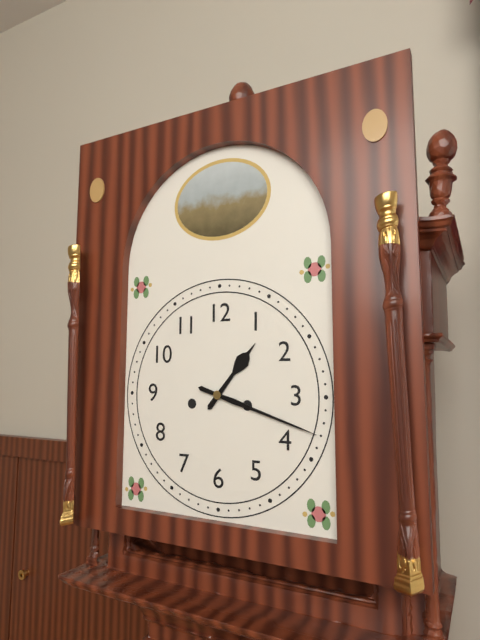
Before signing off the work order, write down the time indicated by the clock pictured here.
1:18
